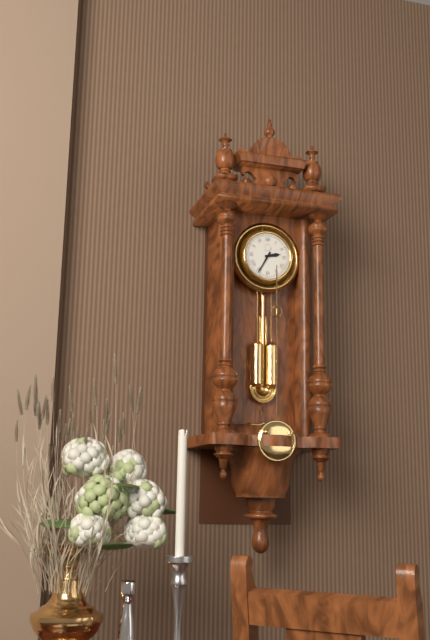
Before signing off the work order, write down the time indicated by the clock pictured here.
2:35
